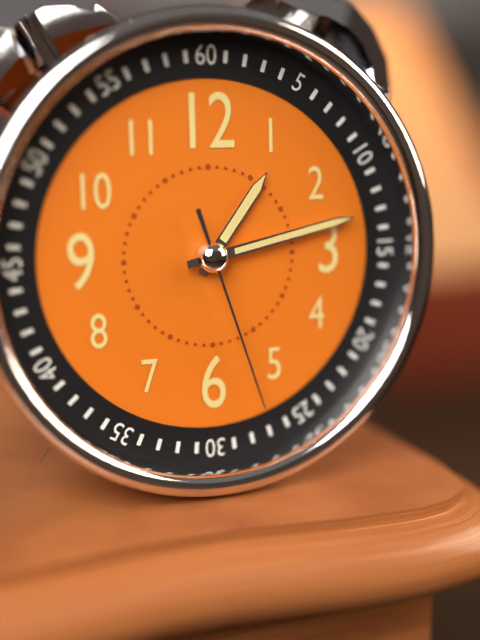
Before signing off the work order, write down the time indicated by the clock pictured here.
1:13:27
